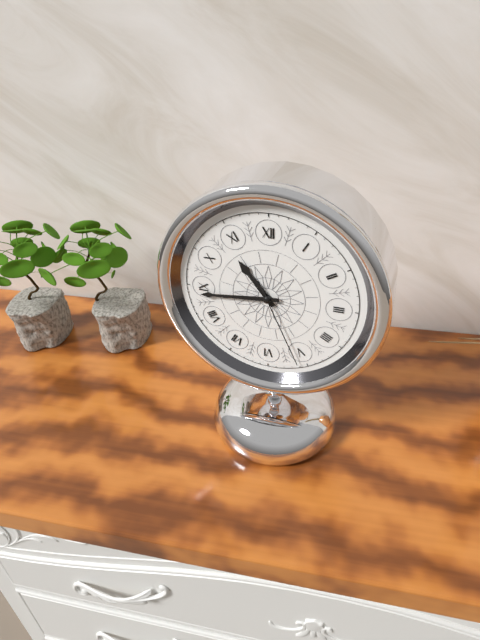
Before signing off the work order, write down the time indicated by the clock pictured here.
10:44:26
